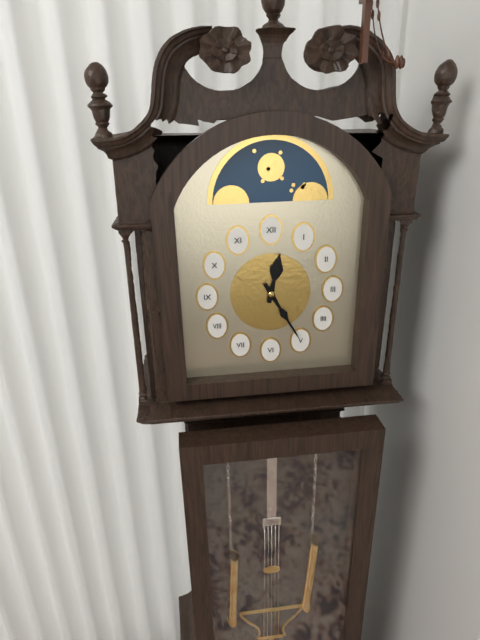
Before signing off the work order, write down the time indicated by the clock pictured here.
12:25
